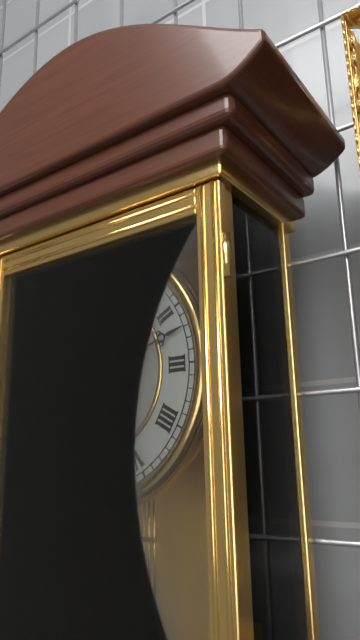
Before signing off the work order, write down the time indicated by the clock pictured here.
9:12
